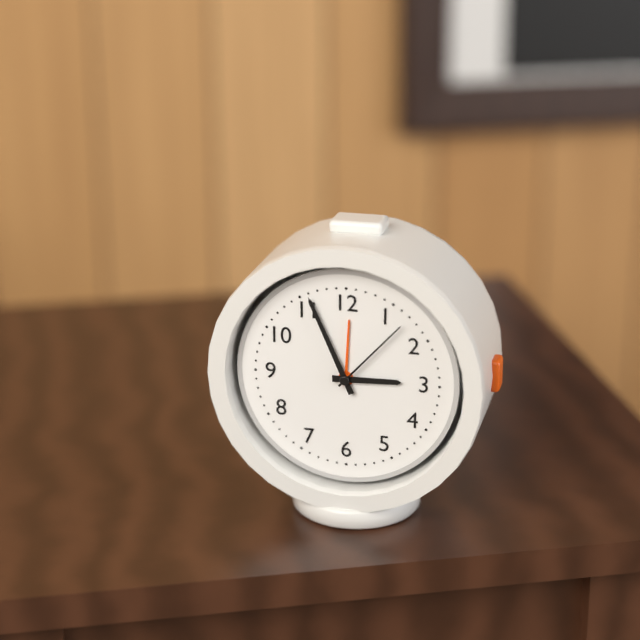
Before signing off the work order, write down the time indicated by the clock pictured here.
2:56:07
